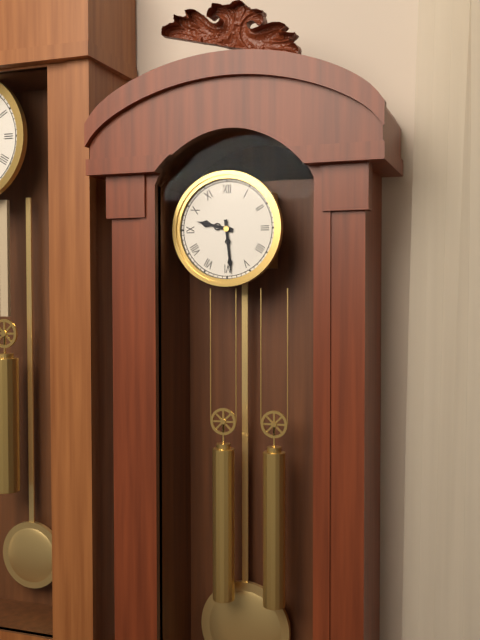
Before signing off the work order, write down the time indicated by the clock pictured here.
9:29
